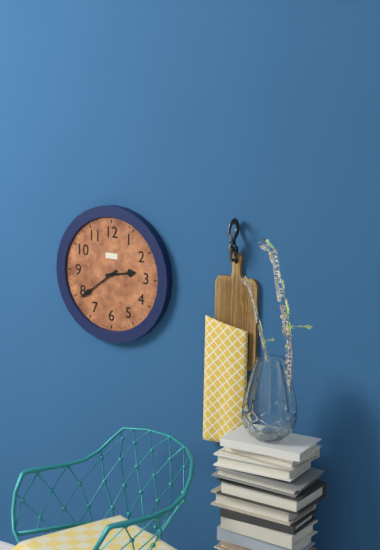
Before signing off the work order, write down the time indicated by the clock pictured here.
2:39
